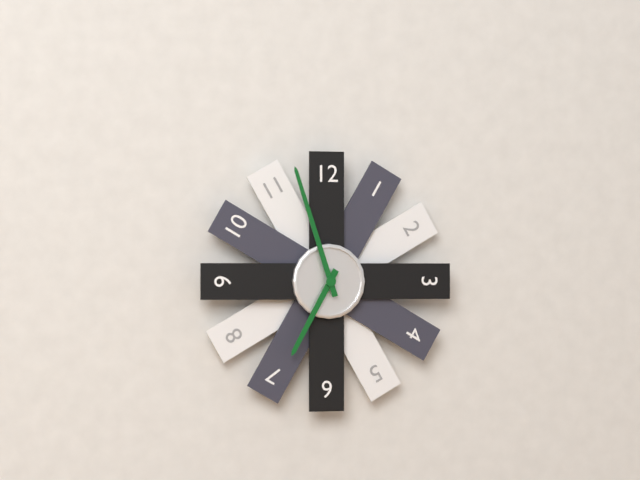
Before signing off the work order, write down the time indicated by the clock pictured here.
6:57
